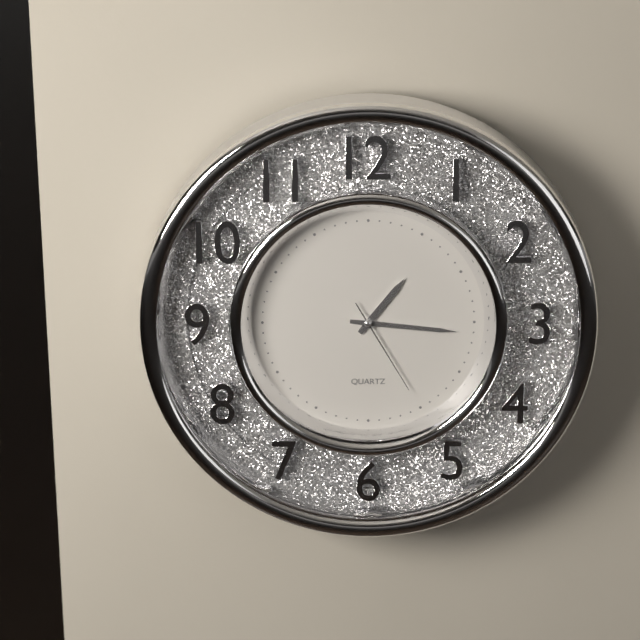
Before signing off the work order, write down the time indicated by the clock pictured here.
1:16:25
